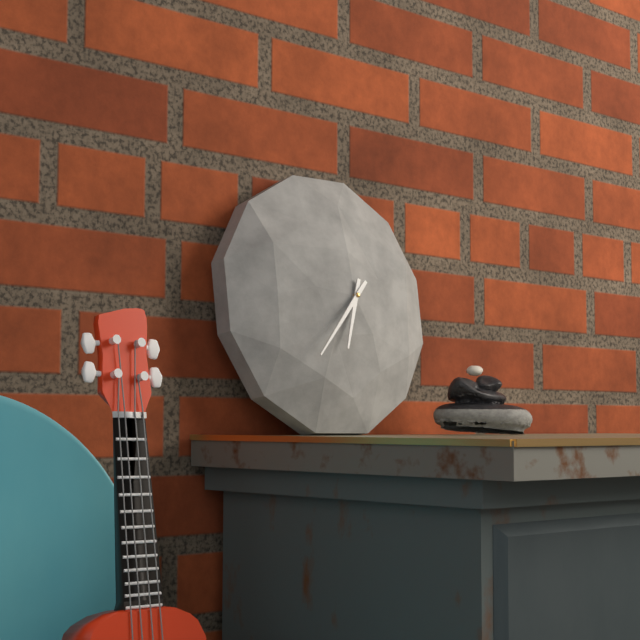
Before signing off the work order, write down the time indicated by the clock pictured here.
6:37
